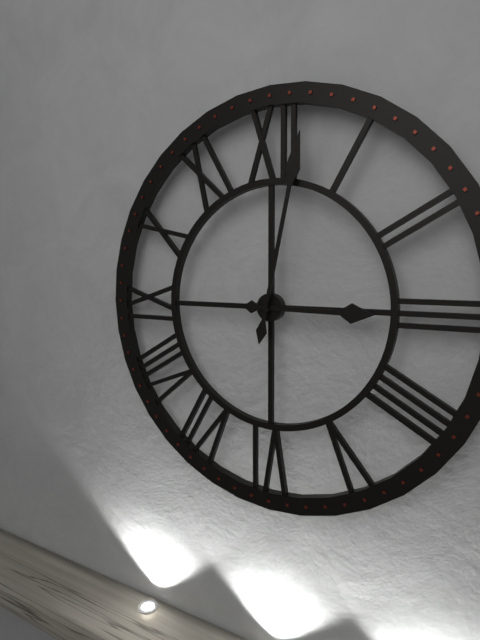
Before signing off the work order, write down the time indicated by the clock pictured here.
3:02
